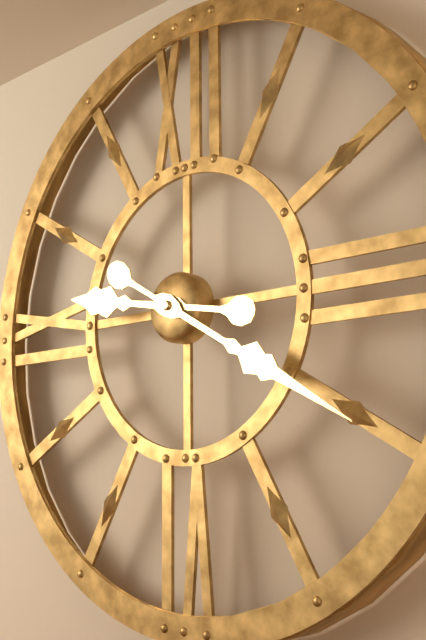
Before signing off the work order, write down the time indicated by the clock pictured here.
9:20
